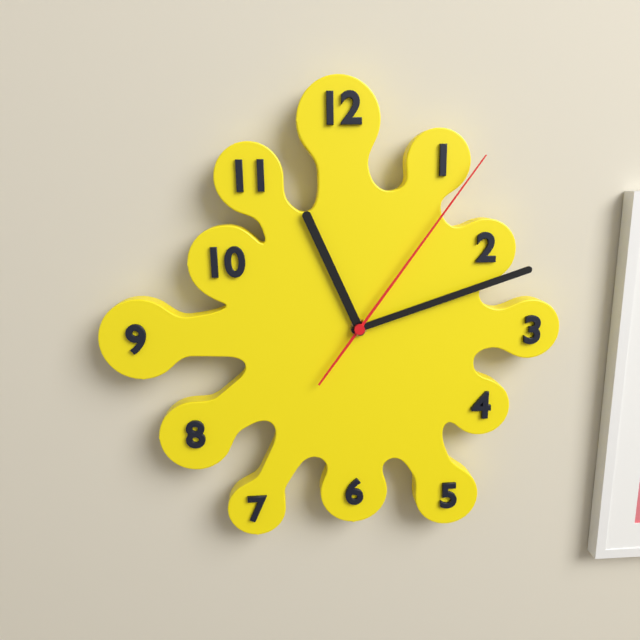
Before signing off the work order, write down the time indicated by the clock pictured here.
11:12:06
